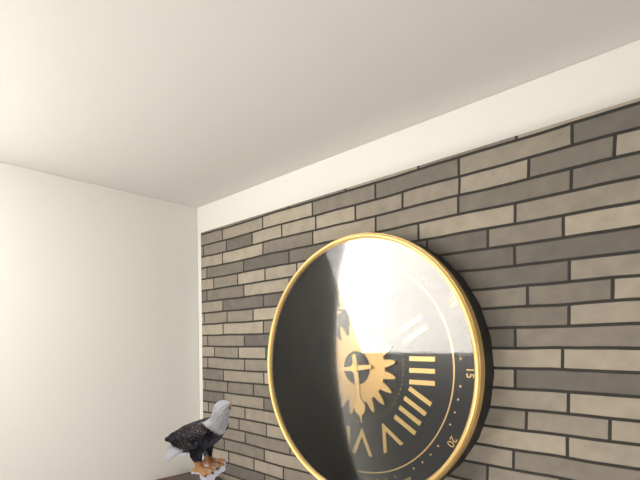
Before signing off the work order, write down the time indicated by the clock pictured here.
5:44
